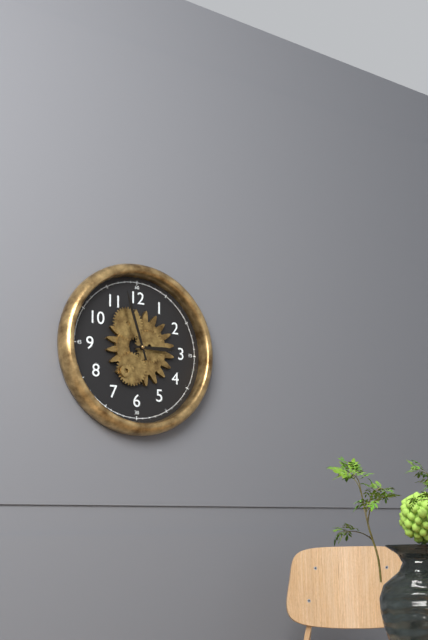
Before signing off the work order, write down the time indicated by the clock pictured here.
2:57
